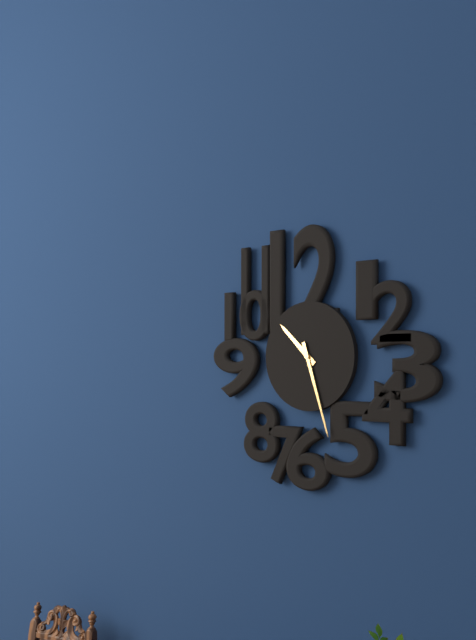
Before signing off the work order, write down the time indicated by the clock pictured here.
10:27
